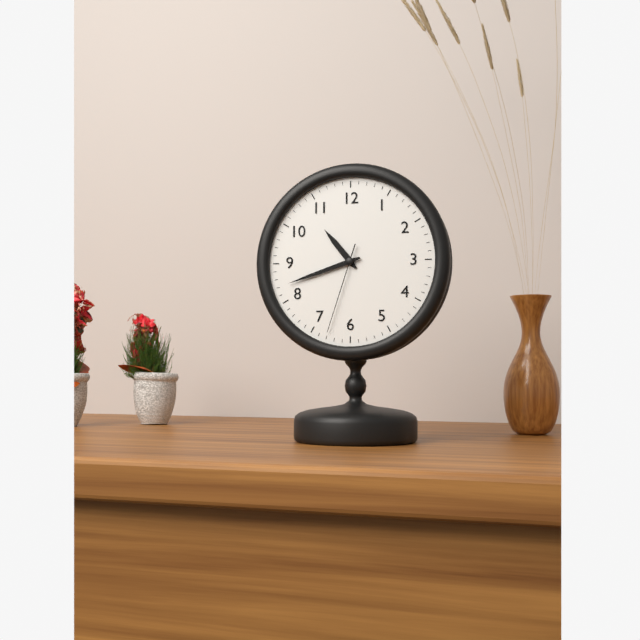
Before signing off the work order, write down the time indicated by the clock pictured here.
10:42:33
